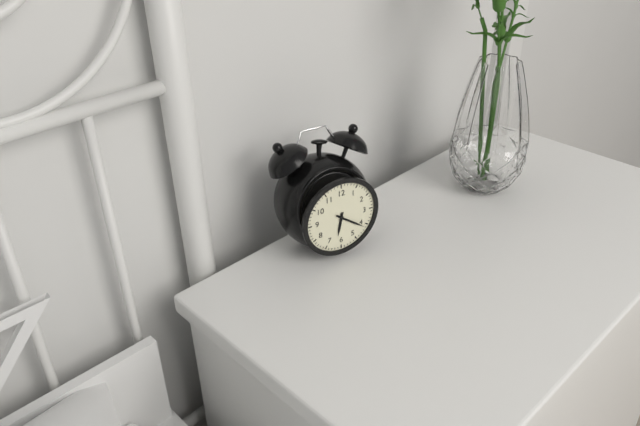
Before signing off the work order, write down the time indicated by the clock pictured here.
6:21
